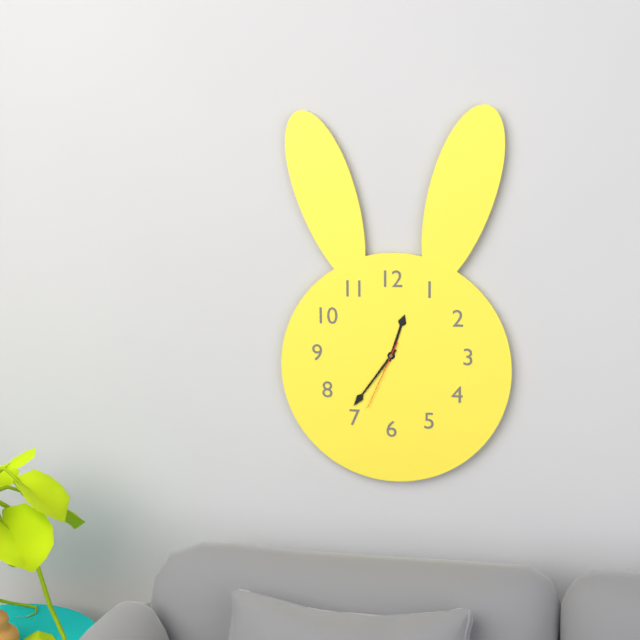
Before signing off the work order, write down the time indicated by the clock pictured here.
12:36:34
